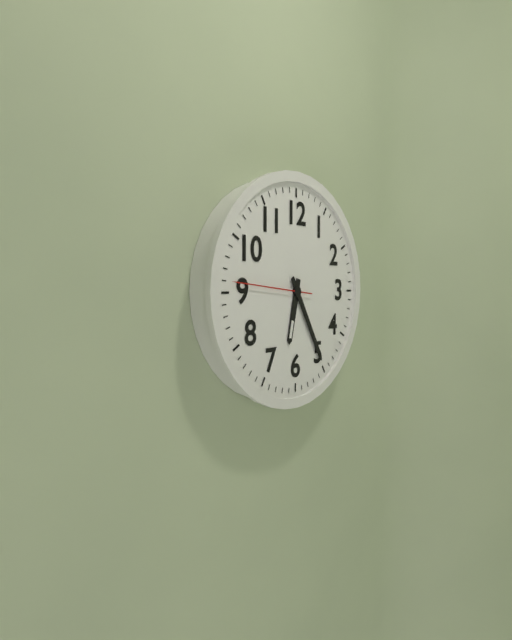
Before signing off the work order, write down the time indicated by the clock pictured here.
6:25:46
